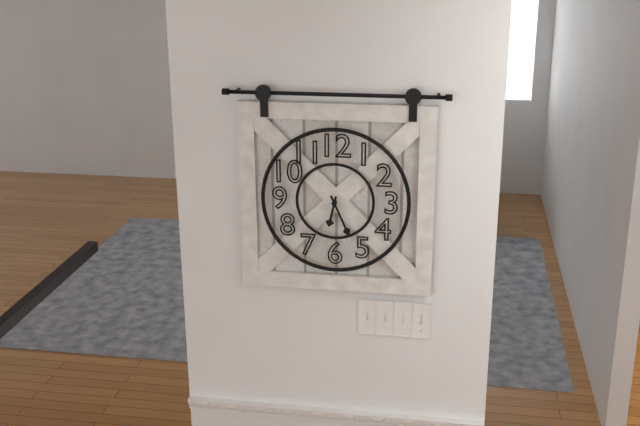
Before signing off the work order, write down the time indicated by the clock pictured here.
6:26
